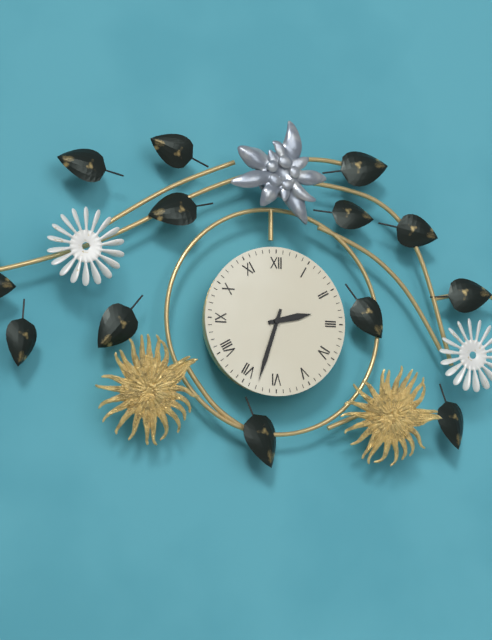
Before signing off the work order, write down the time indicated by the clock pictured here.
2:33
